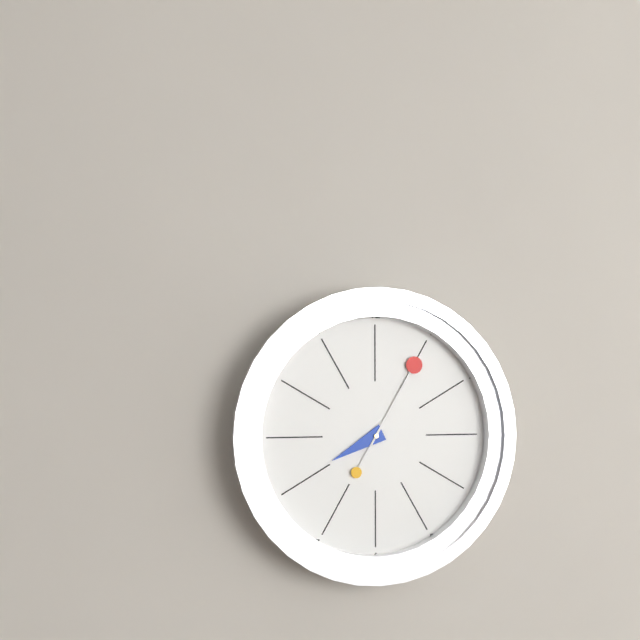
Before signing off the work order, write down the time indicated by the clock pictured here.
8:05
